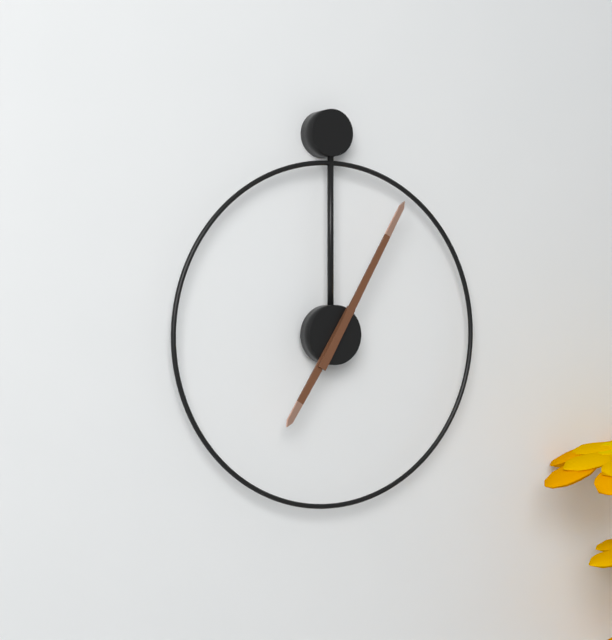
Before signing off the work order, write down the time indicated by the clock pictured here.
7:05
